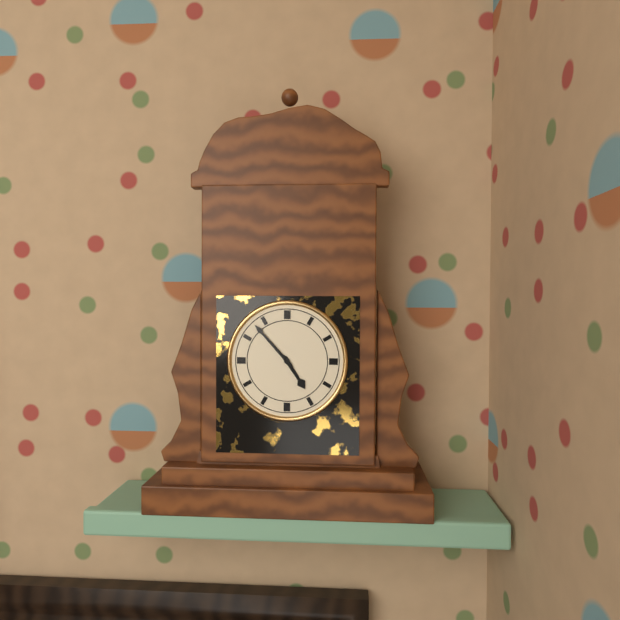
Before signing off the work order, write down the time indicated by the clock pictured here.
4:53
